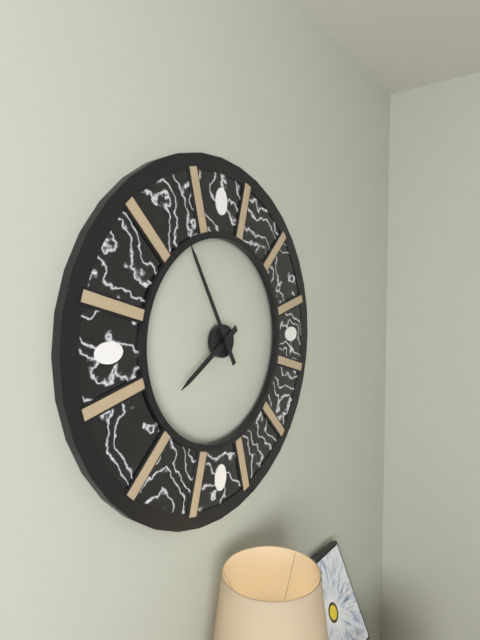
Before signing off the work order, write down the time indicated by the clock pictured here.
7:55
